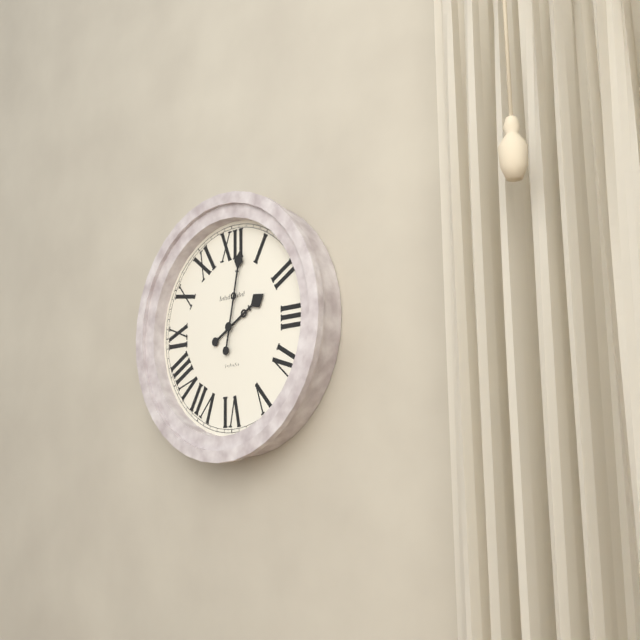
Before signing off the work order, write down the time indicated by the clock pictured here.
2:02
